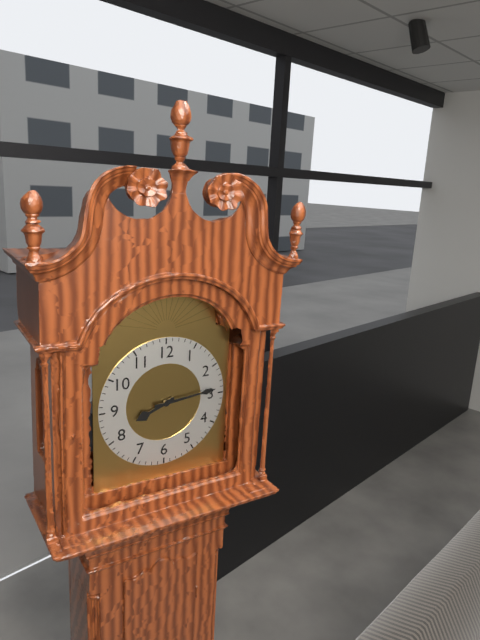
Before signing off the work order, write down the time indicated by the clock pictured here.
8:14
